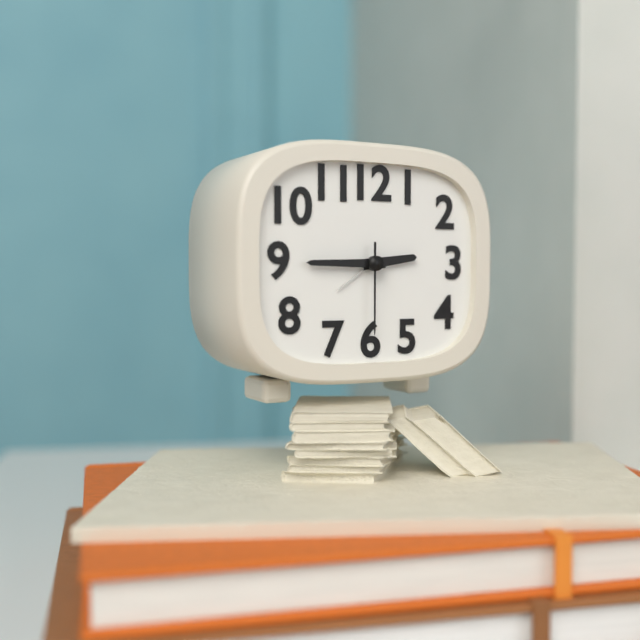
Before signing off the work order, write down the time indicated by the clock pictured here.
2:45:30
